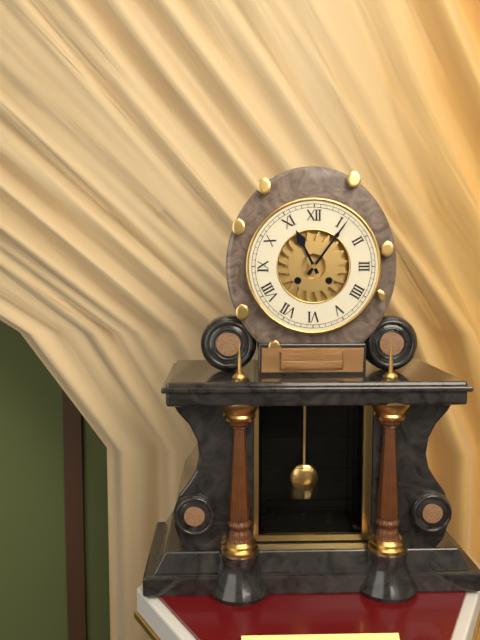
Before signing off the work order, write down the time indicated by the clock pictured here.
11:06
